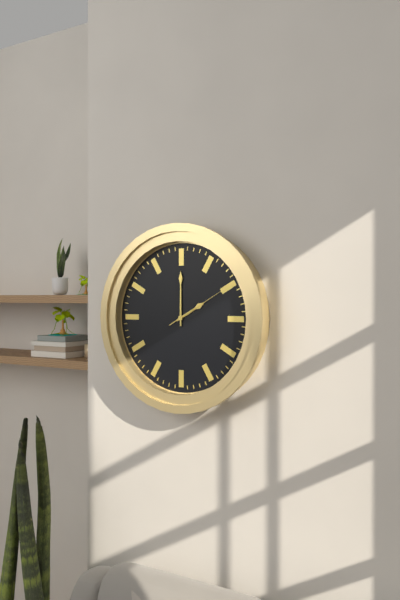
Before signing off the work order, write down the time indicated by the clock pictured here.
2:00:10
